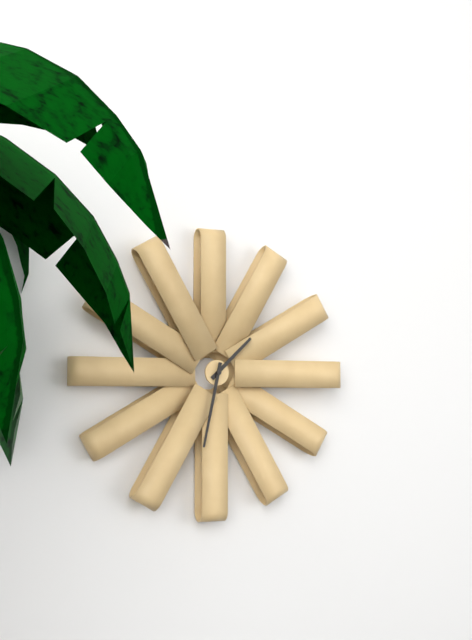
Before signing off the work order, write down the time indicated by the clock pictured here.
1:32
